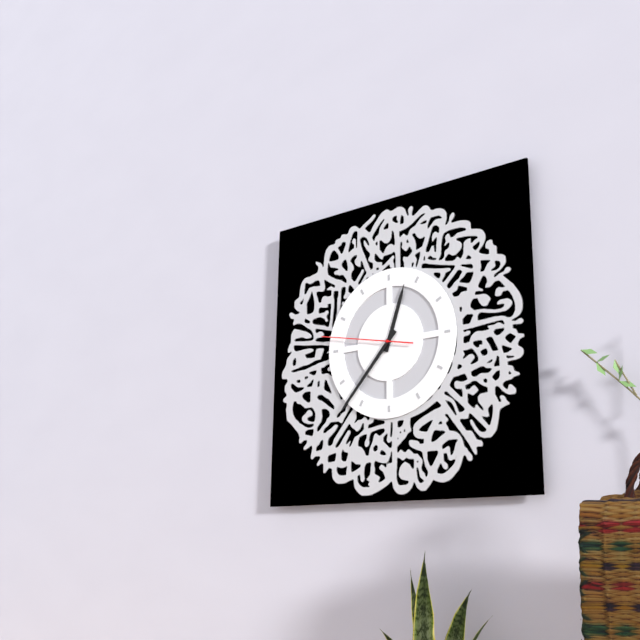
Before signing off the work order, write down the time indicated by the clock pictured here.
12:37:47
